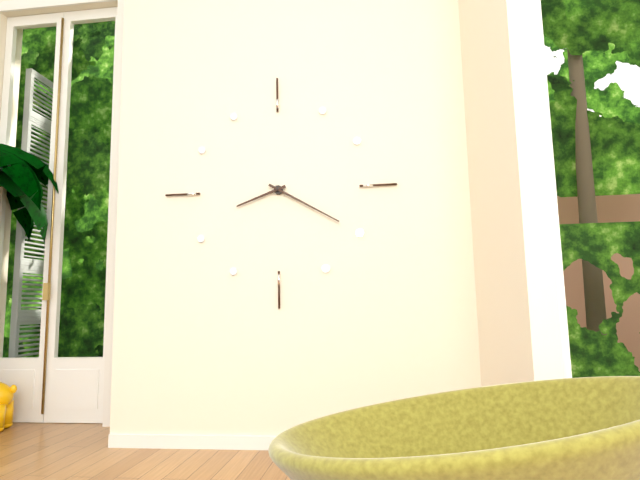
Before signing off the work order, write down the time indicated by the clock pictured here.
8:20
